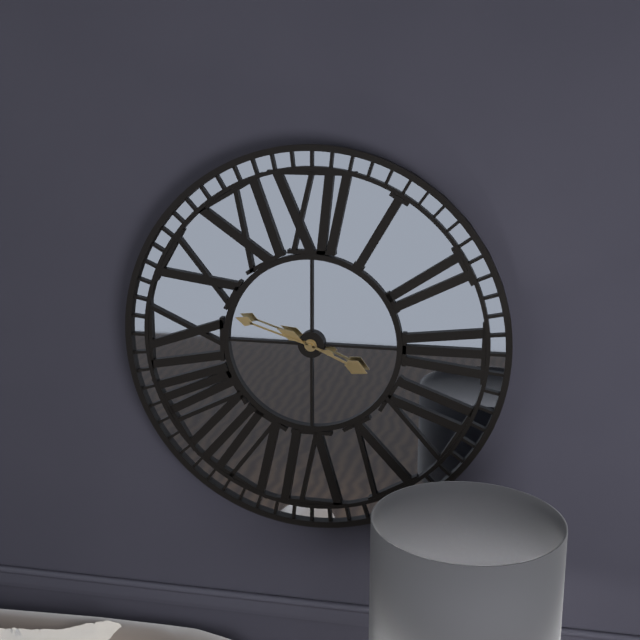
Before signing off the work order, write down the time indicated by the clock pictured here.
3:48
